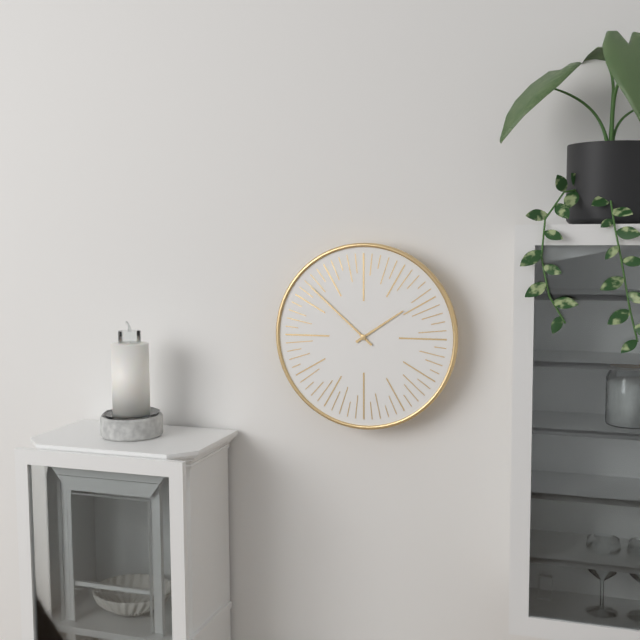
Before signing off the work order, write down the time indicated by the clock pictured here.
1:52
